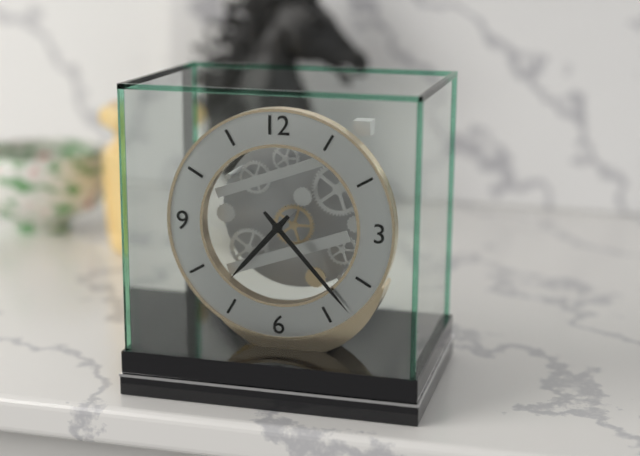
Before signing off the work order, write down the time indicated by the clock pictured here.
7:23
